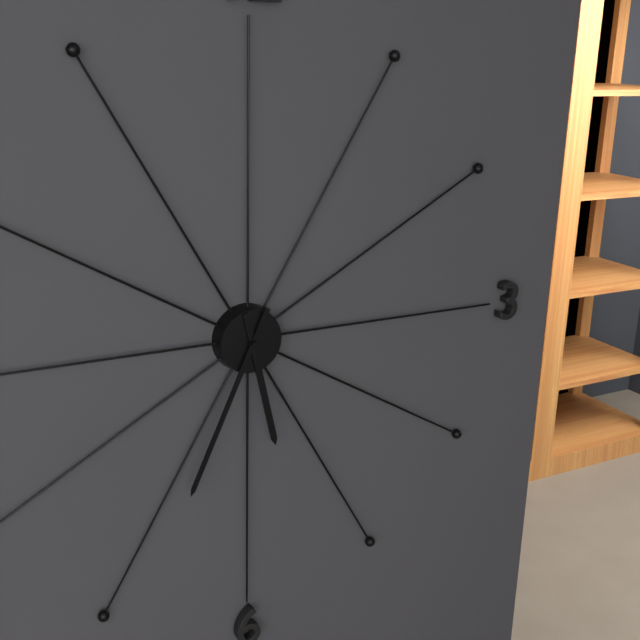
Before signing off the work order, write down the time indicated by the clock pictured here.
5:34
